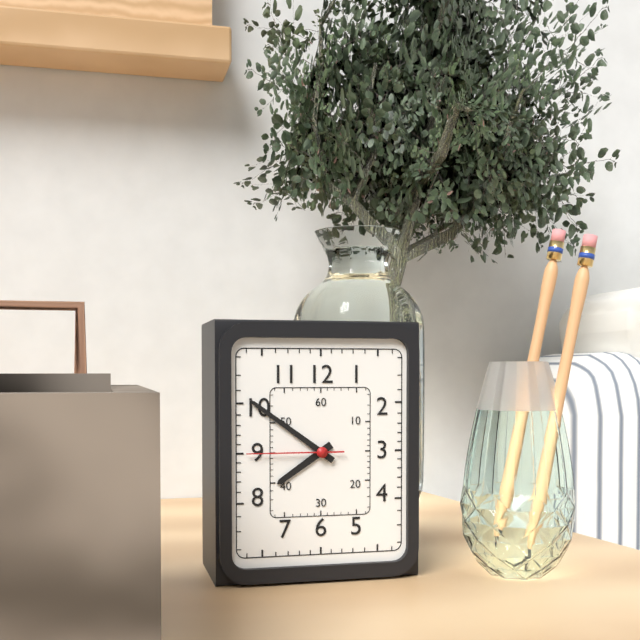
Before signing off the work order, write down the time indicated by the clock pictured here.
7:51:45
